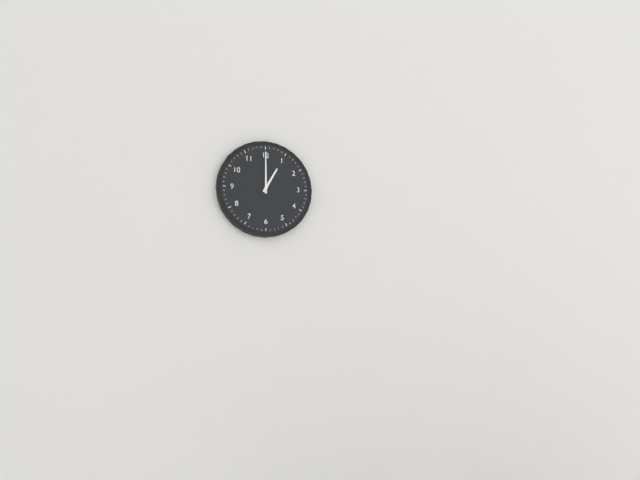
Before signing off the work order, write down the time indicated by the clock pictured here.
1:00
